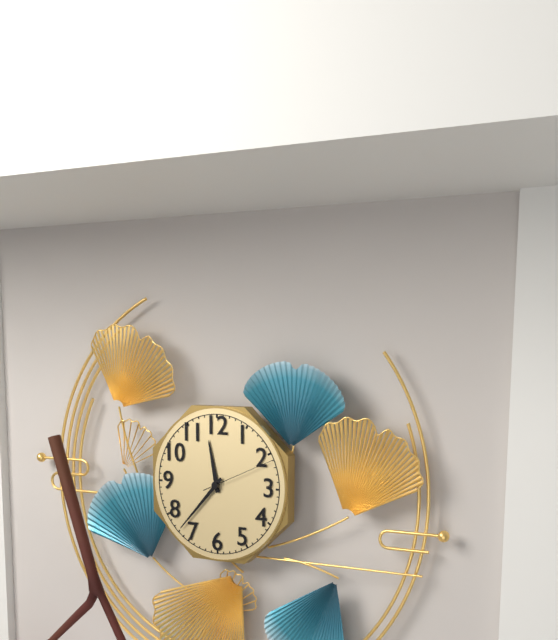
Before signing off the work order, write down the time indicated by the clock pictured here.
11:37:11
